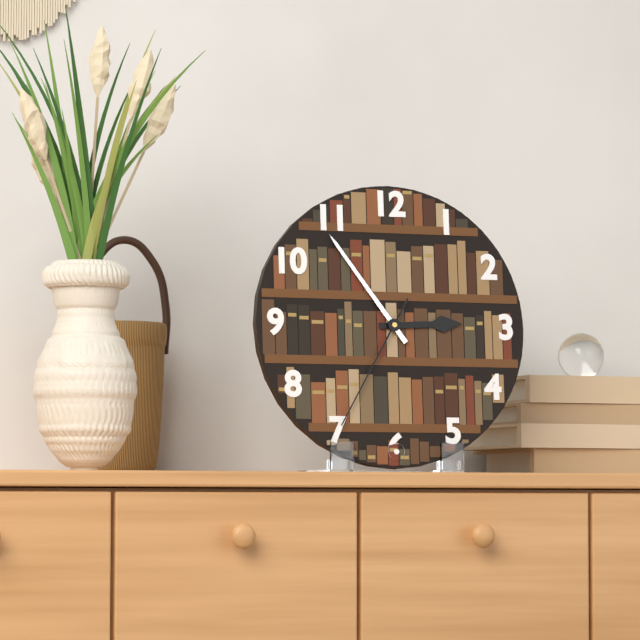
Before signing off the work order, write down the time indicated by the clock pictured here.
2:54:35
